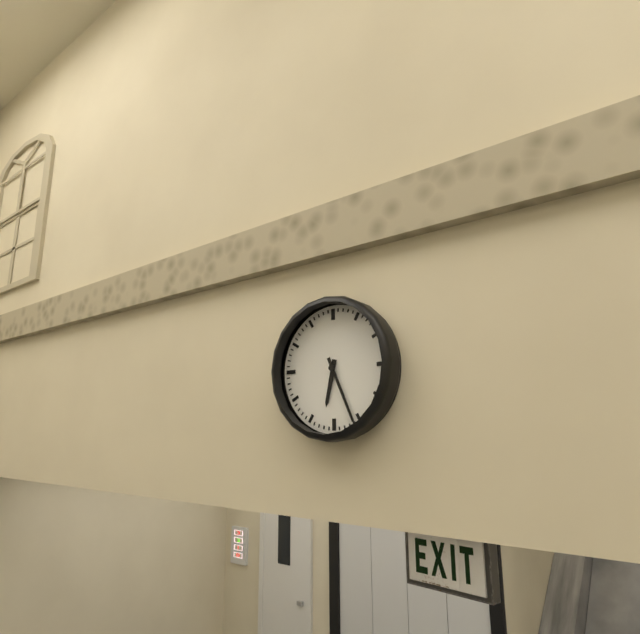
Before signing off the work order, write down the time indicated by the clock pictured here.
6:26
